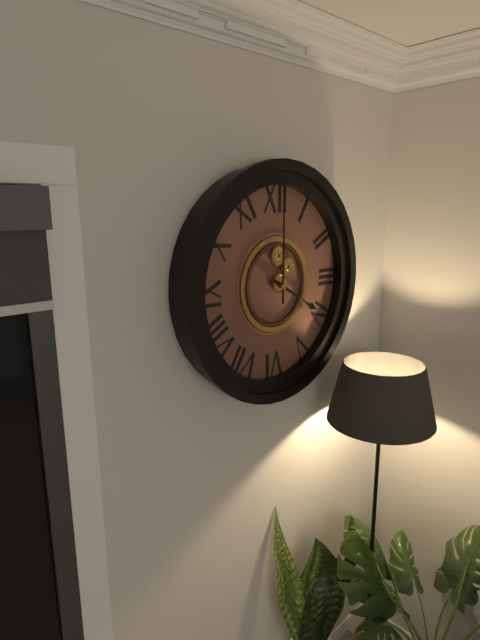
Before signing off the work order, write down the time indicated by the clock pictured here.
4:00
